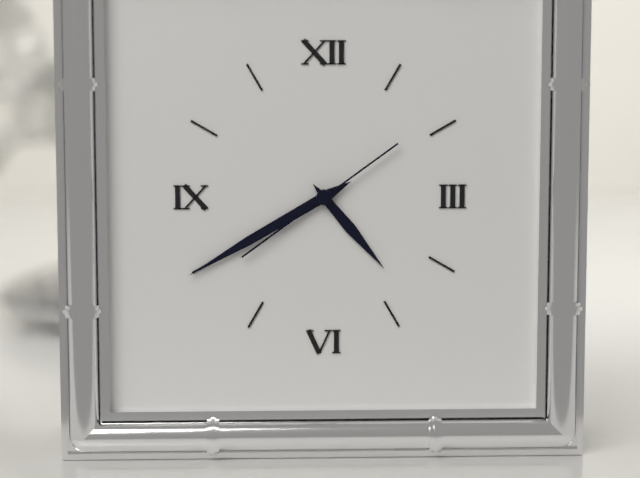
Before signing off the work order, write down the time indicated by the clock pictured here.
4:40:39
